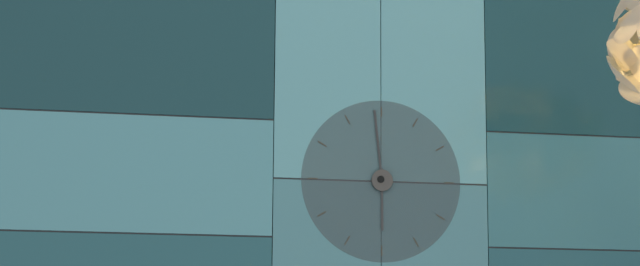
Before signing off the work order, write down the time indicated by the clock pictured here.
5:59
